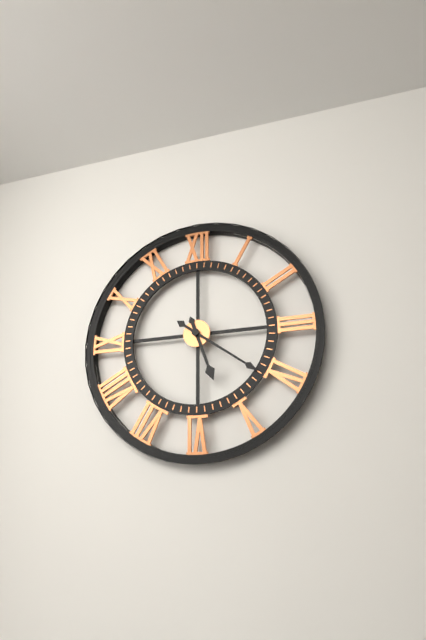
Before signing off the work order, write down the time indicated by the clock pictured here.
5:21
